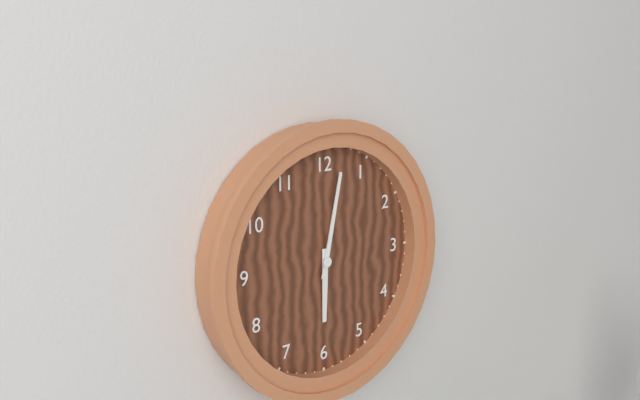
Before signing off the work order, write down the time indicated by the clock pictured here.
6:02
